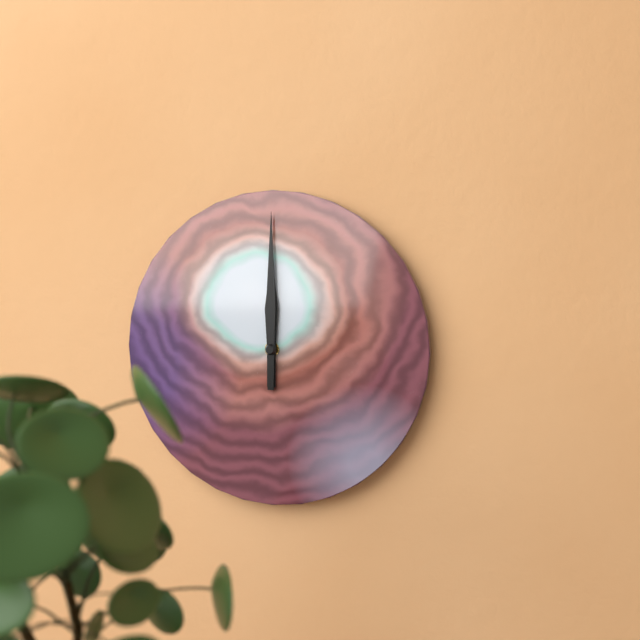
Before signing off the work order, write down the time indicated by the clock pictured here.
12:00
